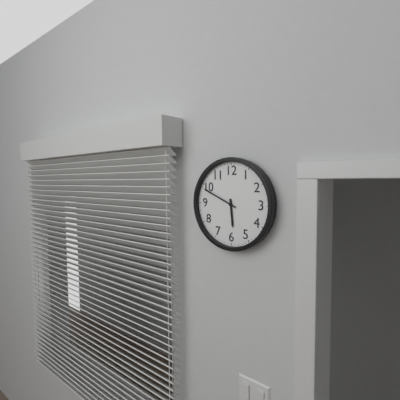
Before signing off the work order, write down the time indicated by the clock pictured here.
5:49
